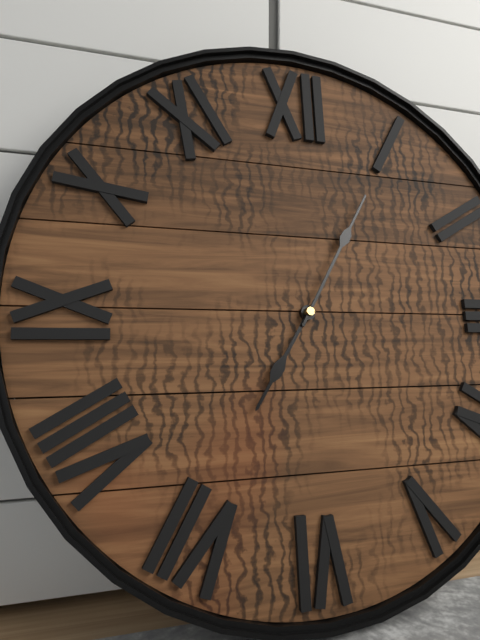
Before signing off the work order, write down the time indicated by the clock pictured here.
7:05
